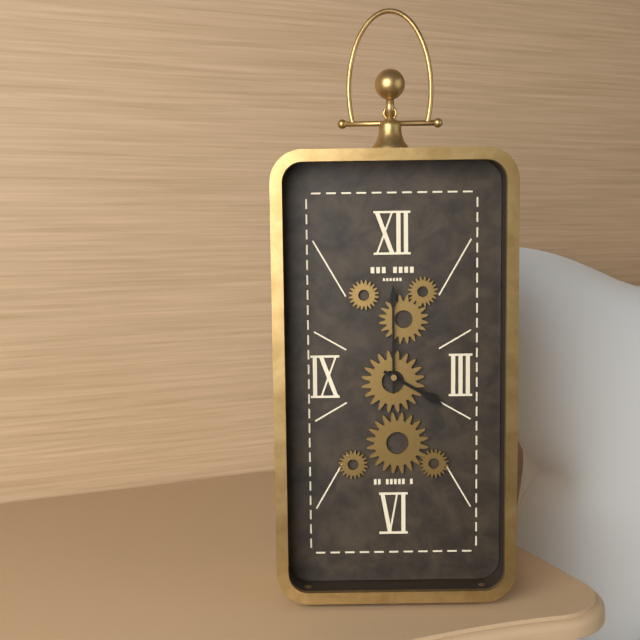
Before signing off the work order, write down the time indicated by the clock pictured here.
4:00
